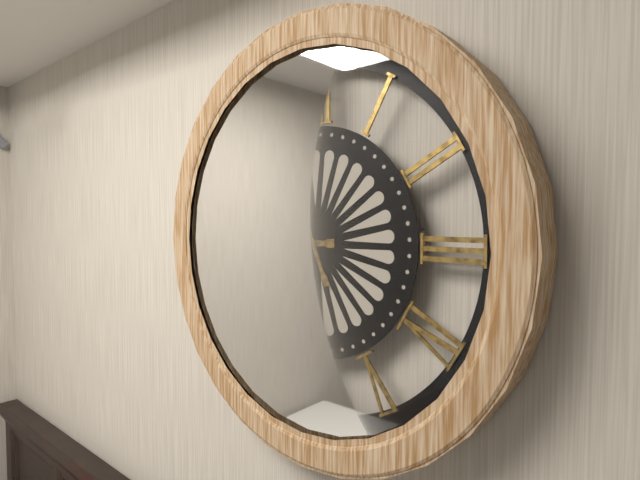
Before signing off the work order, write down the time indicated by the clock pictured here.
8:56
